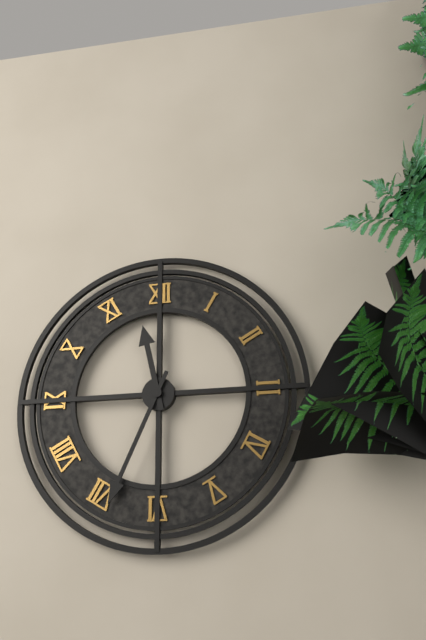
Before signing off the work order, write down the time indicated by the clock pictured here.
11:34
